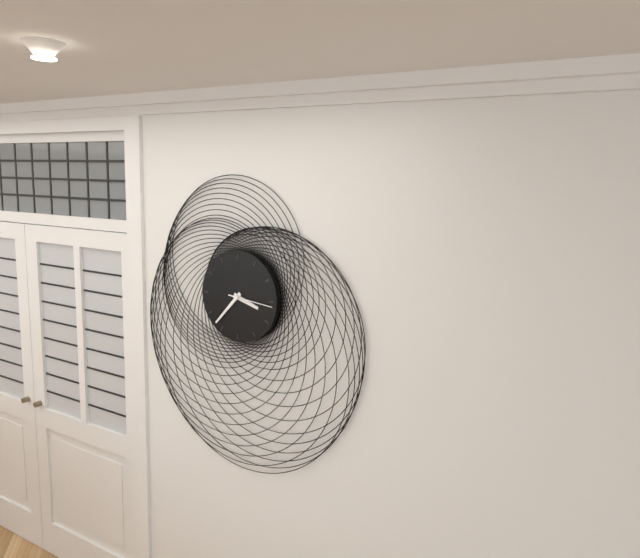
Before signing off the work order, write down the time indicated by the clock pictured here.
3:37
